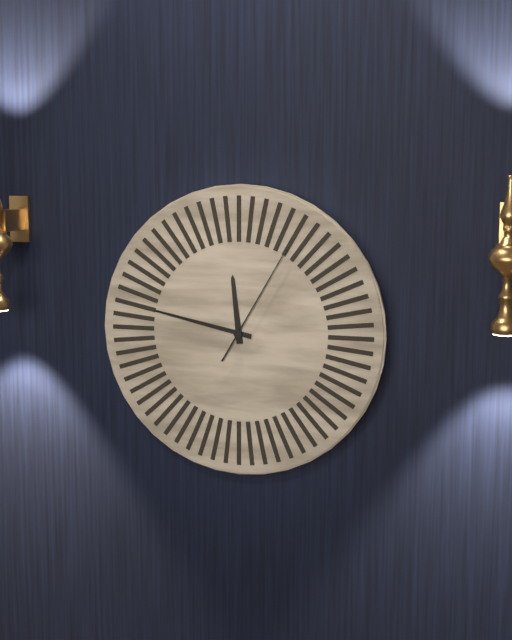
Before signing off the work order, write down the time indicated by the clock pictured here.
11:47:05
